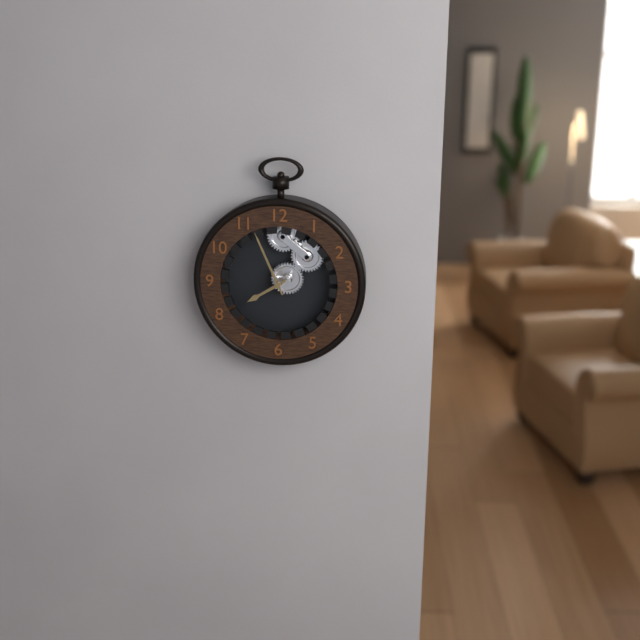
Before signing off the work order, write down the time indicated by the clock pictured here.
7:56
